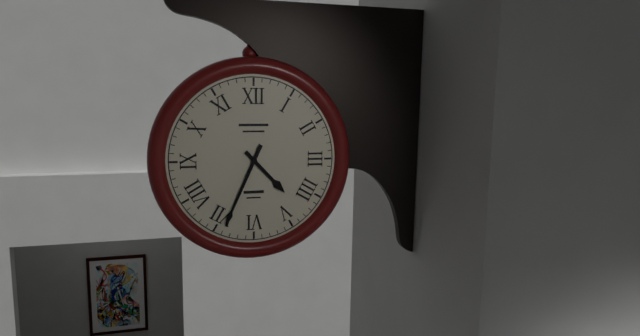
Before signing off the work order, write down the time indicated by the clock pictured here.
4:34
